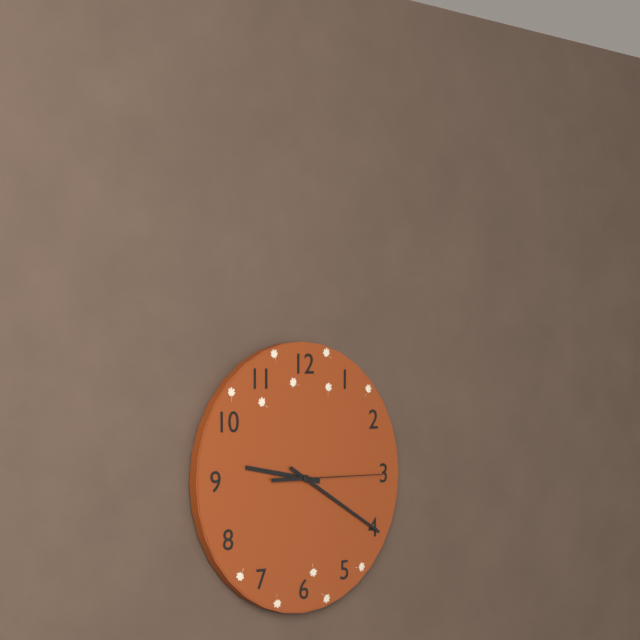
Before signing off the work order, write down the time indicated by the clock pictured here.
9:20:15
